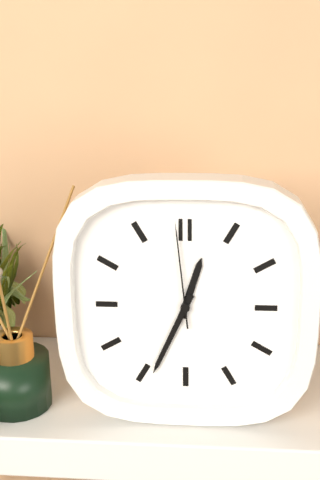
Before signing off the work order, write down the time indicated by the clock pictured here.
12:34:59
